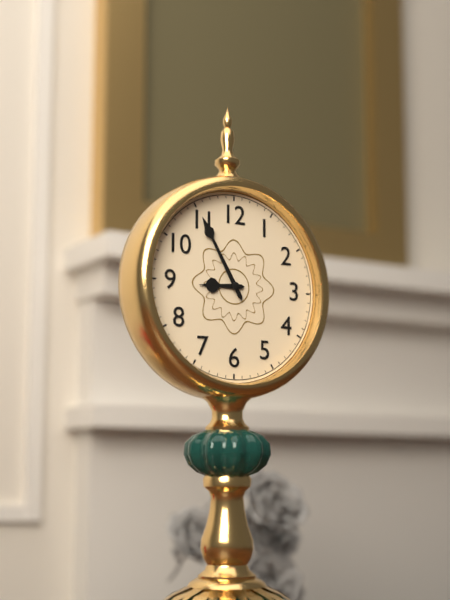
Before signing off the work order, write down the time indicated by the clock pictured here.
8:55
